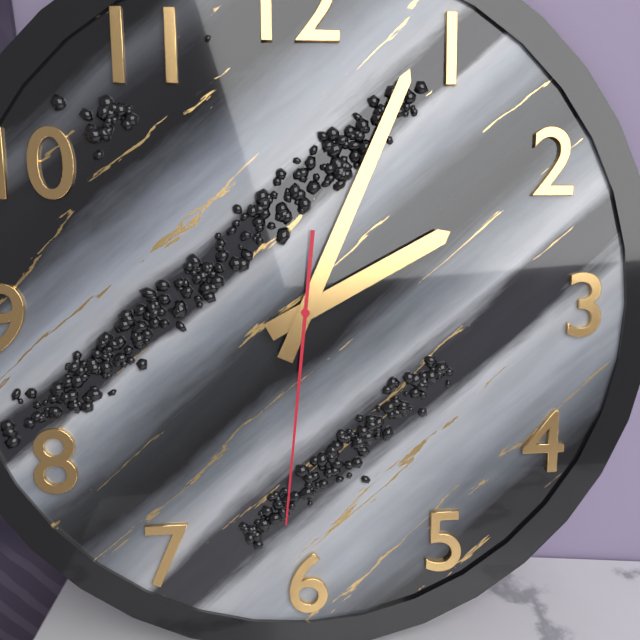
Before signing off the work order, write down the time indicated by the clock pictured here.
2:04:31
